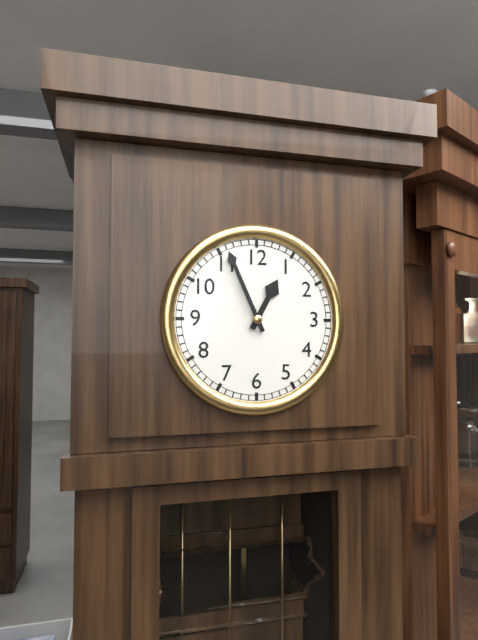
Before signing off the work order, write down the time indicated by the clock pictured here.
12:56
